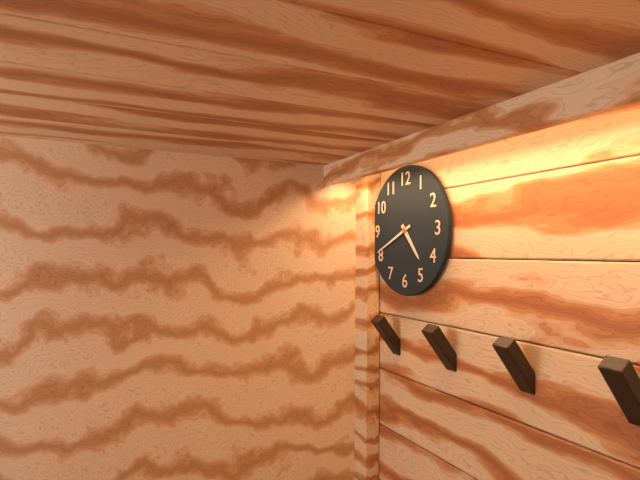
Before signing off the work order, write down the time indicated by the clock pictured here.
4:41
